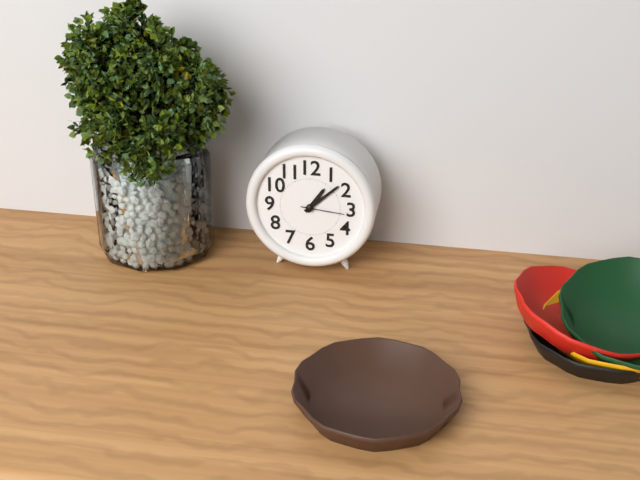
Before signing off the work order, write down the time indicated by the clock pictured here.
1:08
